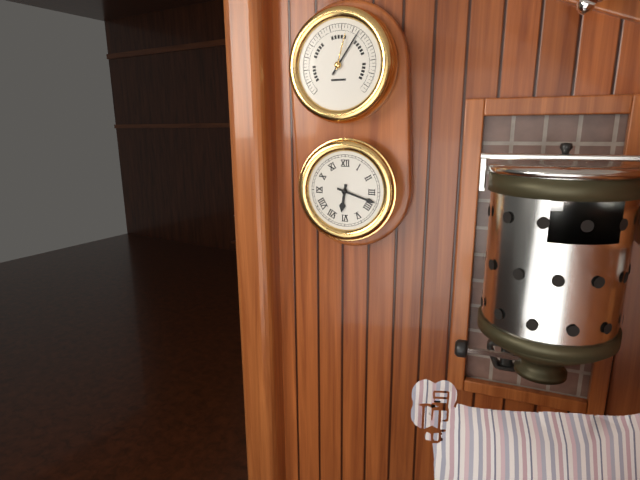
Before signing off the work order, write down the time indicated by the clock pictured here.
6:18
